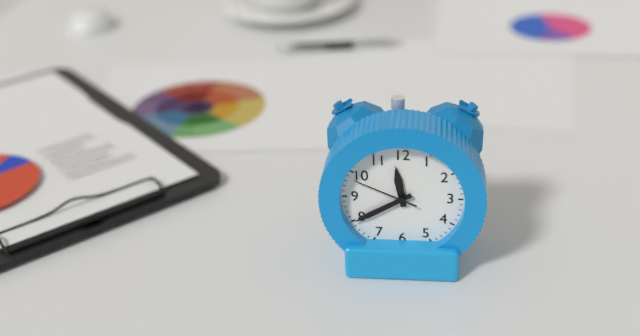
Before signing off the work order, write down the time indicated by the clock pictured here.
11:40:49
